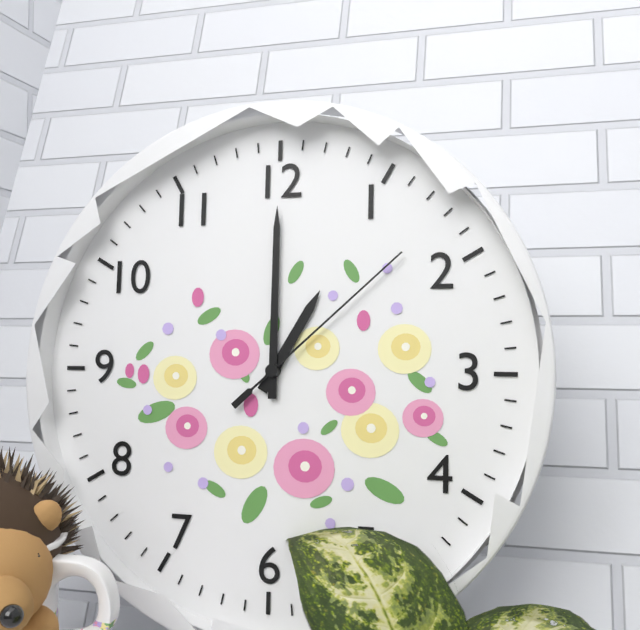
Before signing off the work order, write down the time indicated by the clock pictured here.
1:00:08
